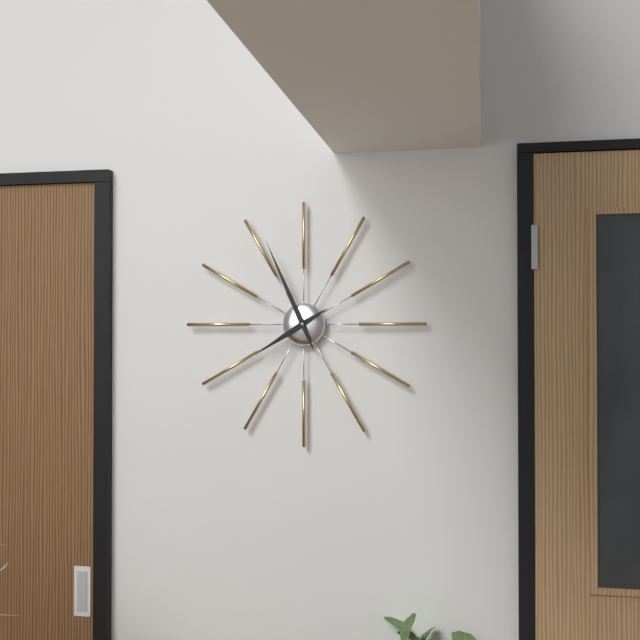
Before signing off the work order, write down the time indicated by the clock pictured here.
7:56
